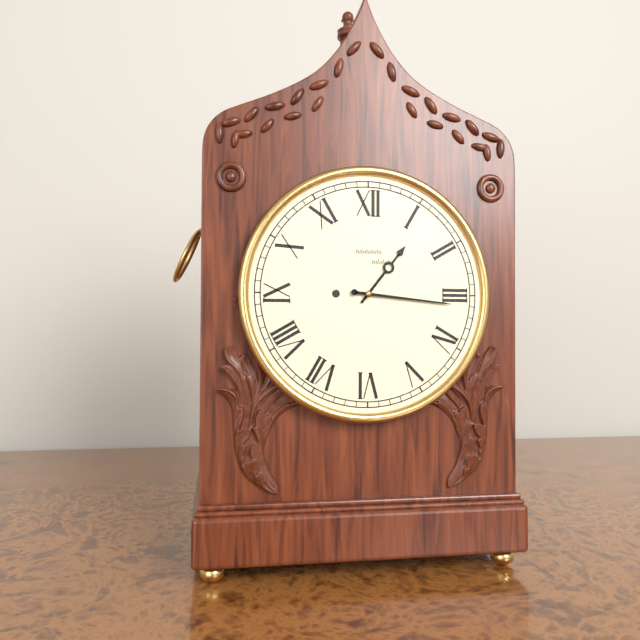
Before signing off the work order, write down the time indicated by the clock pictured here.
1:16
